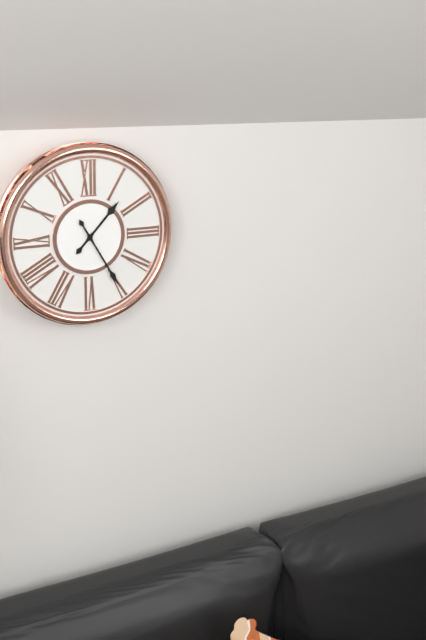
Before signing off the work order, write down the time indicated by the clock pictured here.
1:25
